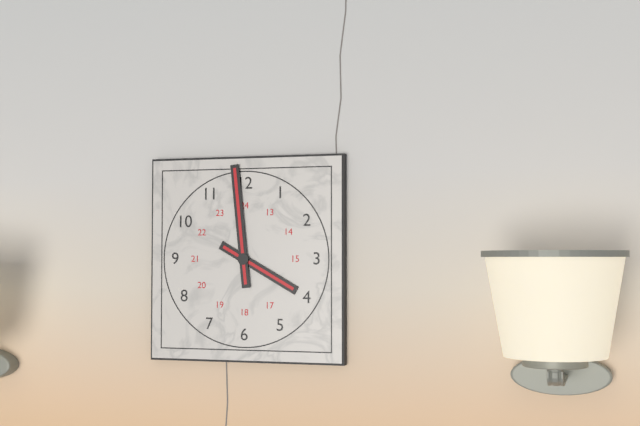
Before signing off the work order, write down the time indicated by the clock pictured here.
3:59
